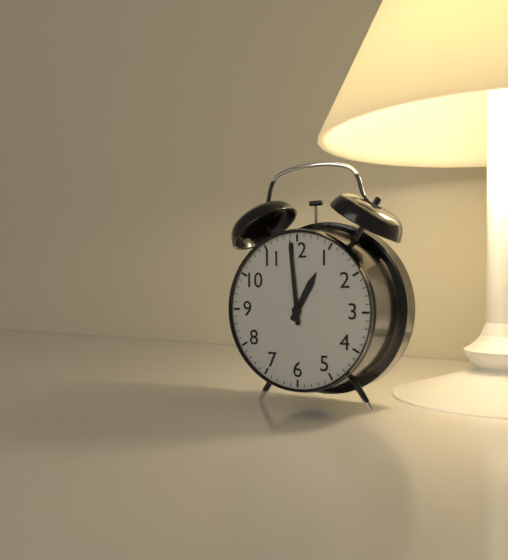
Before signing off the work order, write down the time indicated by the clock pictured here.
12:59
